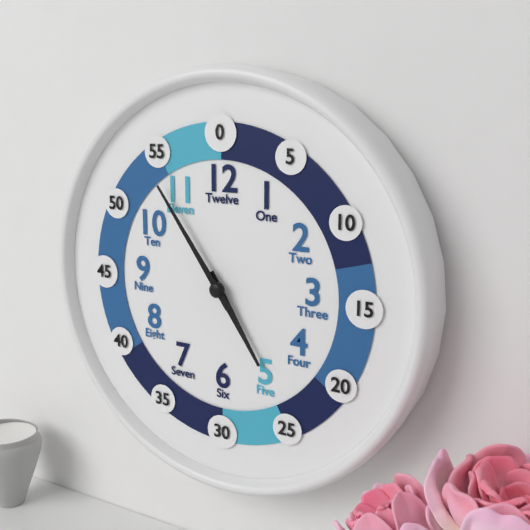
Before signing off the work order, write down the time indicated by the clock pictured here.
4:54
